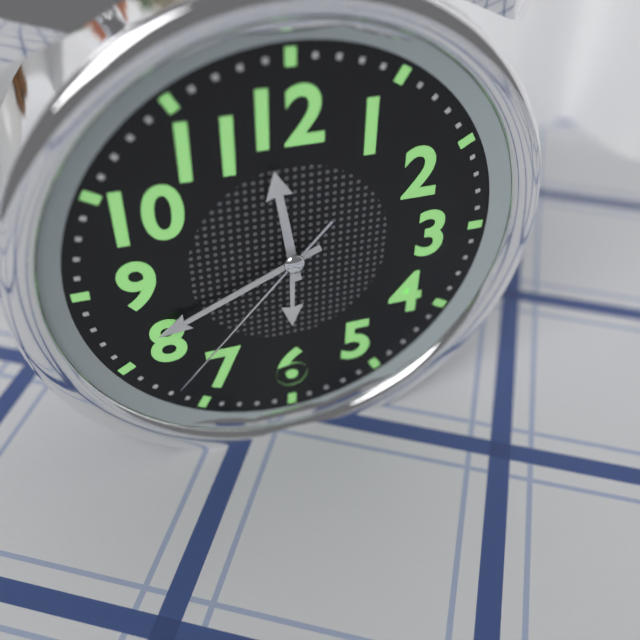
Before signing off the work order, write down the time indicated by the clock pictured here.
11:41:37
